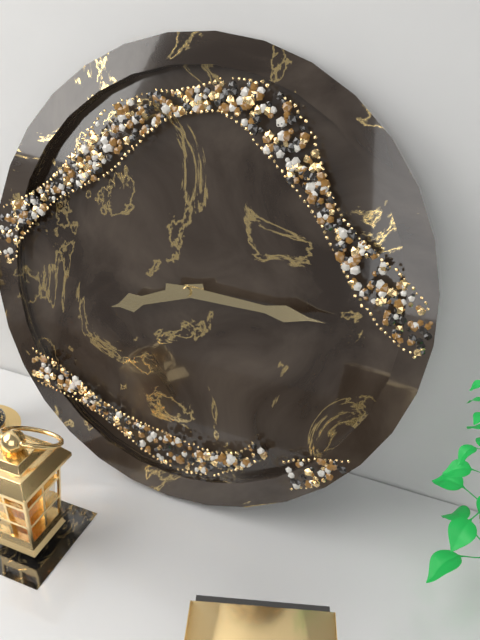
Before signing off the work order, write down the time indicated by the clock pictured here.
8:15
